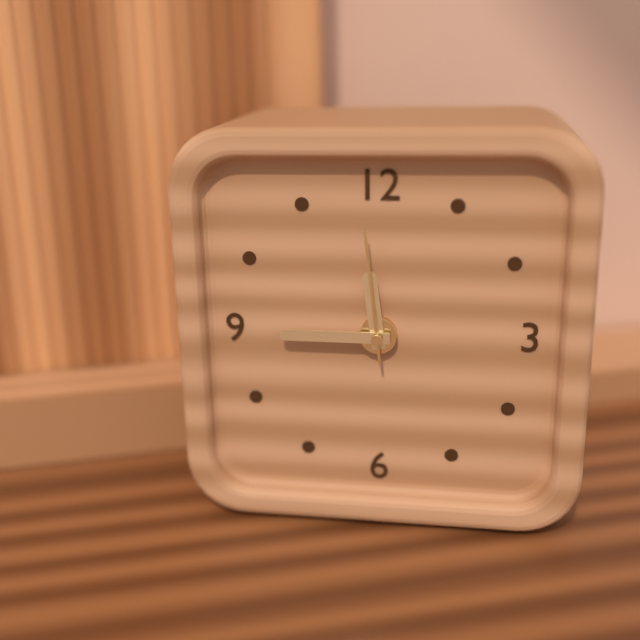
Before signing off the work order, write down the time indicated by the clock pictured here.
11:45:59
